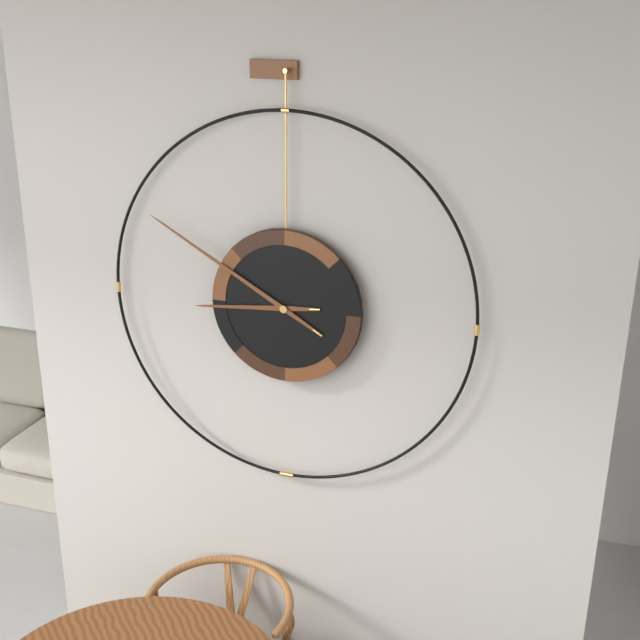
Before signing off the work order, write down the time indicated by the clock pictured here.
8:50
